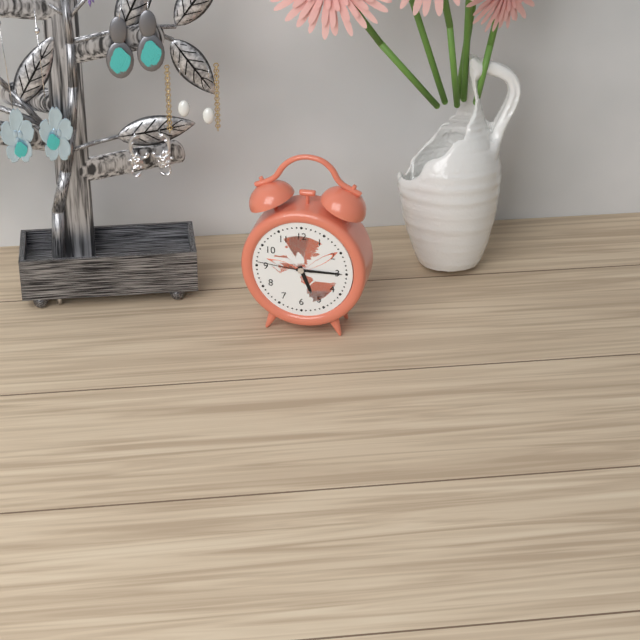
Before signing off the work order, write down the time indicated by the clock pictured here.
5:15:46
